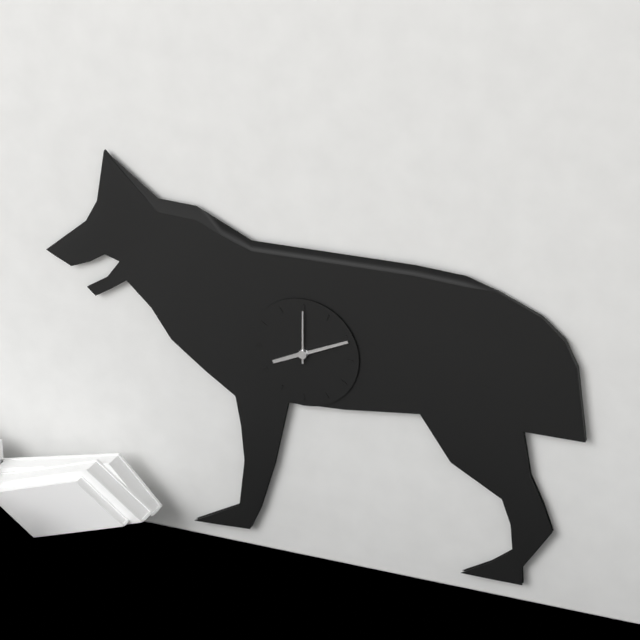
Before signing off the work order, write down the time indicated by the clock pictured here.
8:11:00
